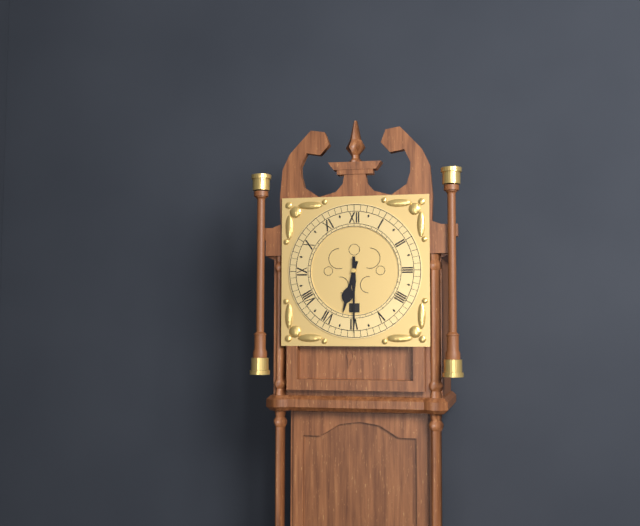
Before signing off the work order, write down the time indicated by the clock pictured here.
6:30
